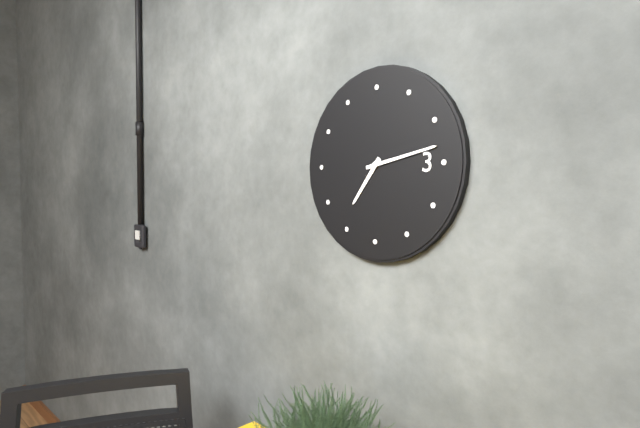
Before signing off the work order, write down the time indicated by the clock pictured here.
7:13
